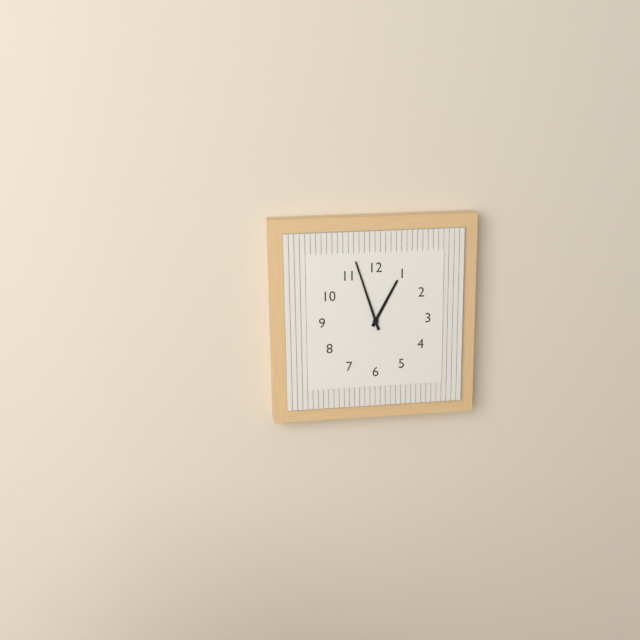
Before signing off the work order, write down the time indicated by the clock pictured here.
12:57
